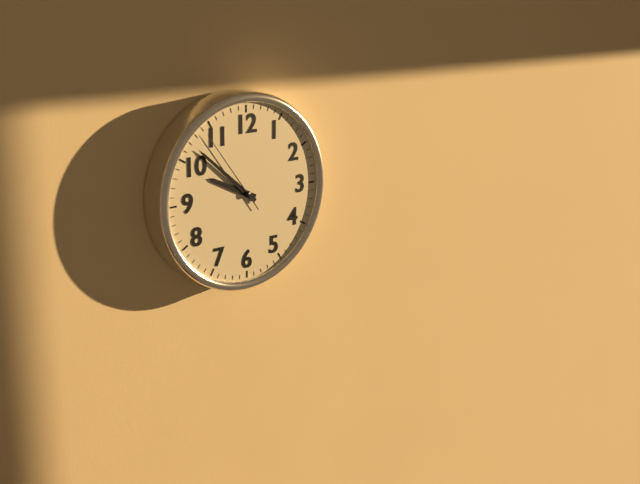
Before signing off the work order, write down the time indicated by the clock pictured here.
9:52:54
